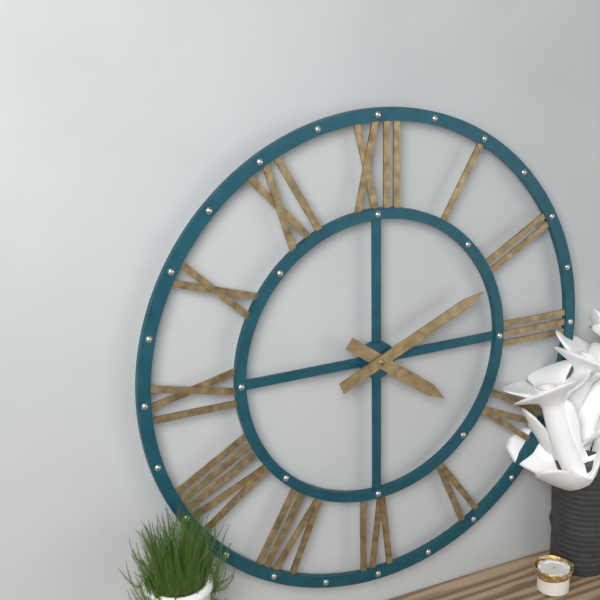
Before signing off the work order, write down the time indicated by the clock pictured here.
4:11
